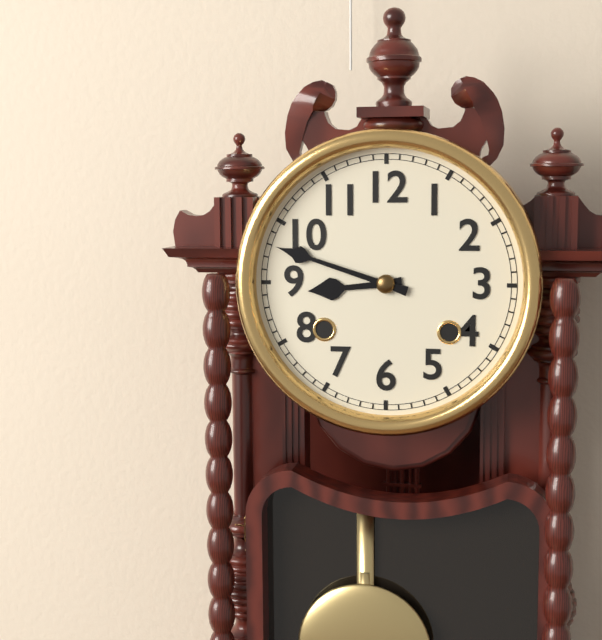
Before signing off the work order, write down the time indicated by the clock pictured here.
8:48
